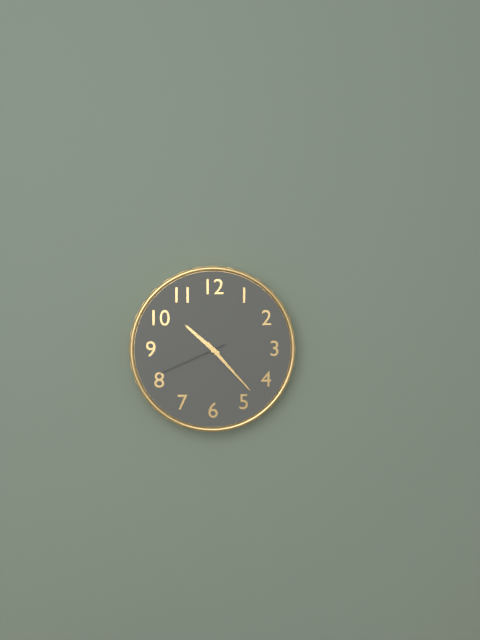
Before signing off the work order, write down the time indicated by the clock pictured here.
10:23:41
